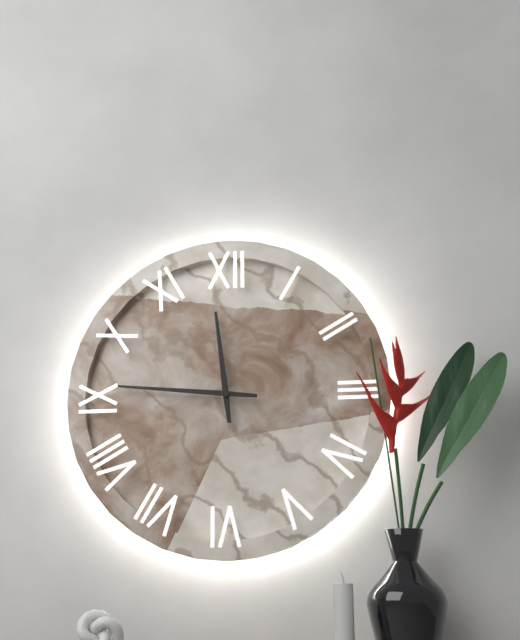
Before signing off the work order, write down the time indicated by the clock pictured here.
11:46
